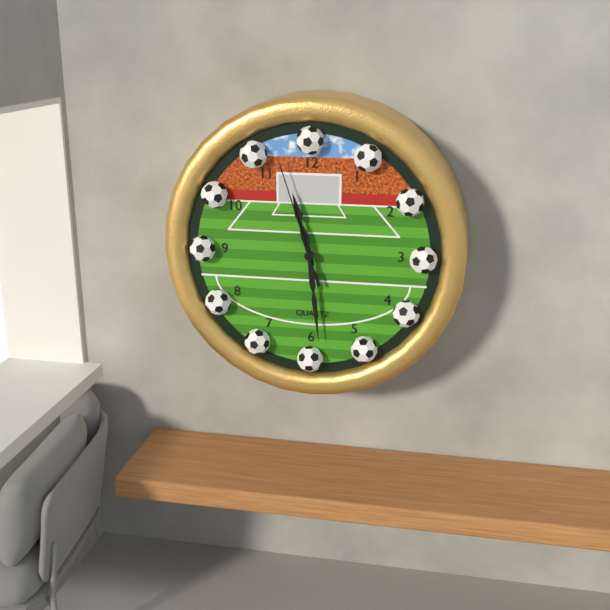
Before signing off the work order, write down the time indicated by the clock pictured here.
11:29:57
